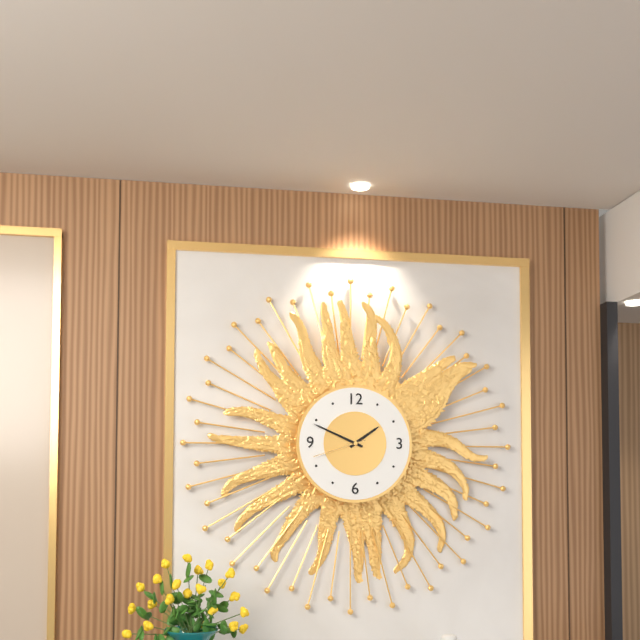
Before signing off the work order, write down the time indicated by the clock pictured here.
1:49:42
